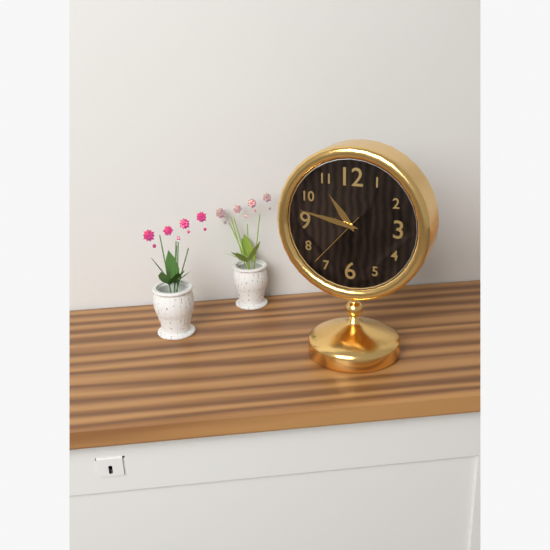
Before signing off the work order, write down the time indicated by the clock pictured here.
10:47:37
